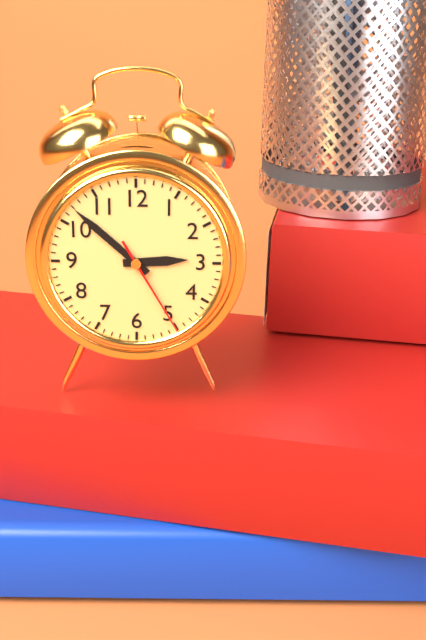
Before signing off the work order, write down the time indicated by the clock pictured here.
2:52:25
